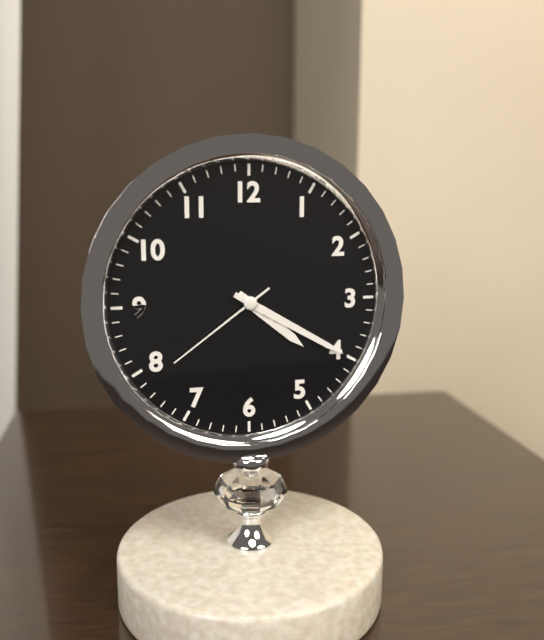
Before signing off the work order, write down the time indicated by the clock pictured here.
4:20:39
